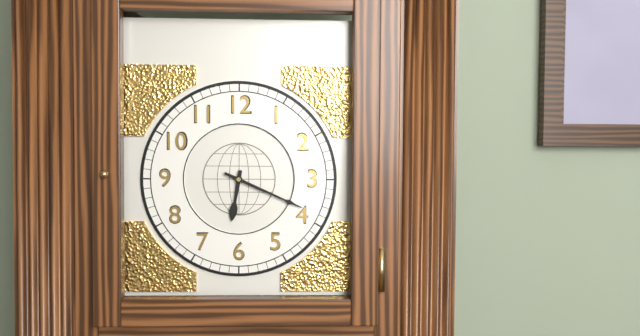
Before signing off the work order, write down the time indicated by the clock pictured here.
6:19
